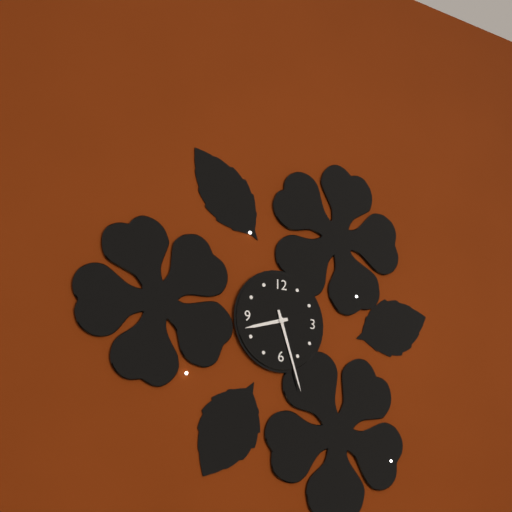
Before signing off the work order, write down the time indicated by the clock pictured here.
8:27
